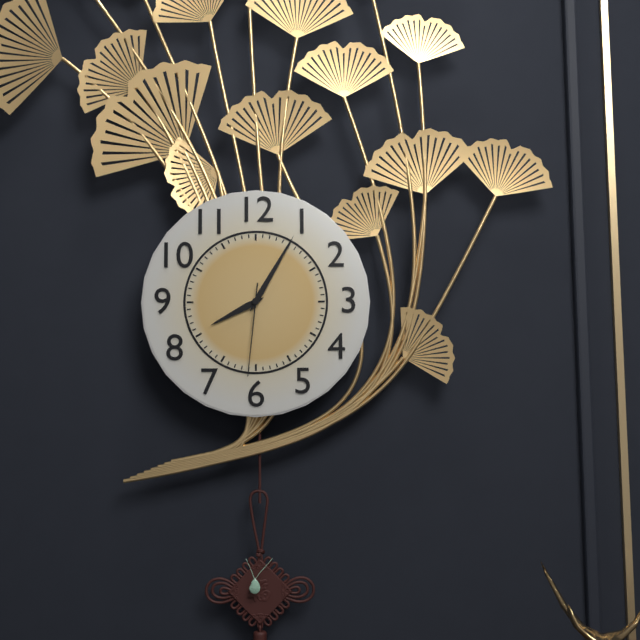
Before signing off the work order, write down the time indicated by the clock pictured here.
8:05:31
